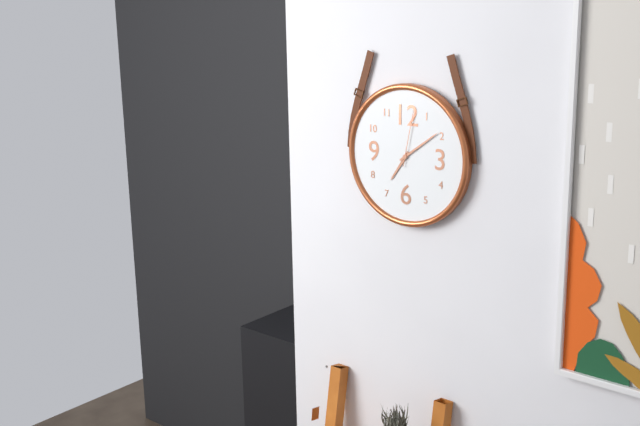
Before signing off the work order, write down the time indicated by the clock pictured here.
7:09:02
